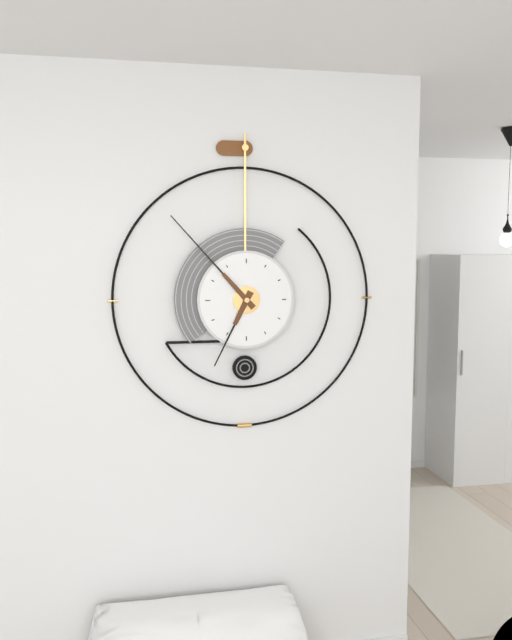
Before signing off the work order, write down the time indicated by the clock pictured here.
6:53
